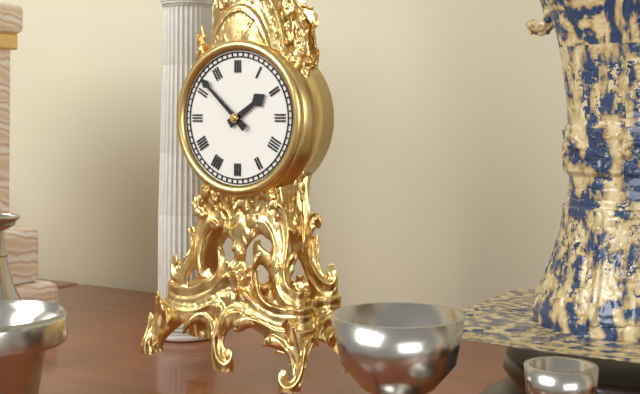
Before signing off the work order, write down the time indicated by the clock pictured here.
1:52
